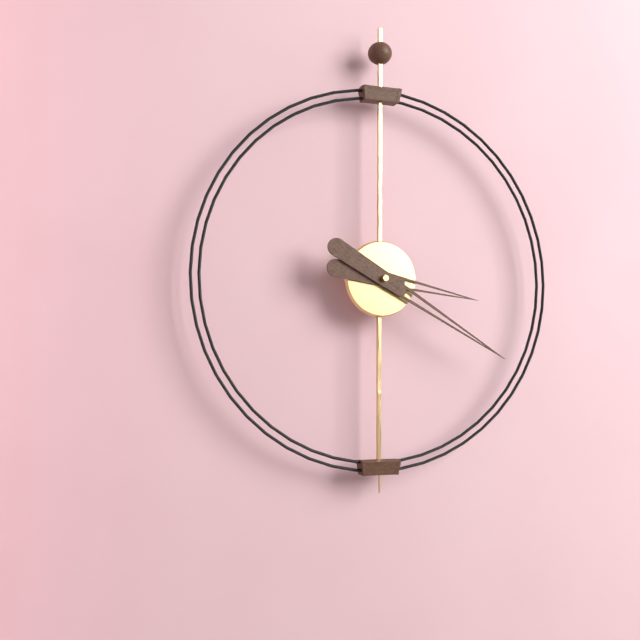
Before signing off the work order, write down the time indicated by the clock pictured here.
3:20
